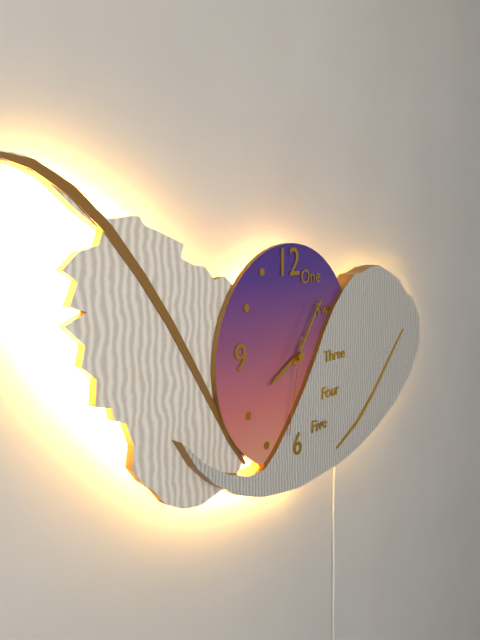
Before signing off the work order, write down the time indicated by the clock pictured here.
8:06:32
